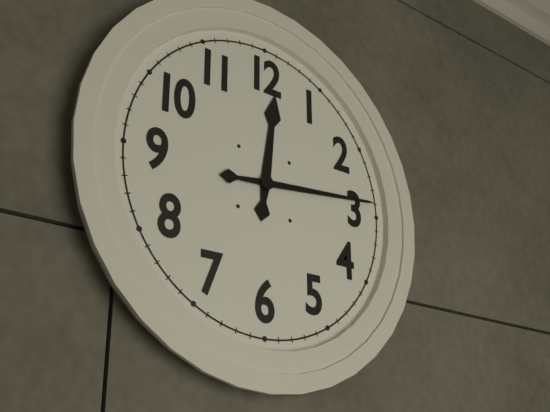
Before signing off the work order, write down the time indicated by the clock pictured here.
12:14
